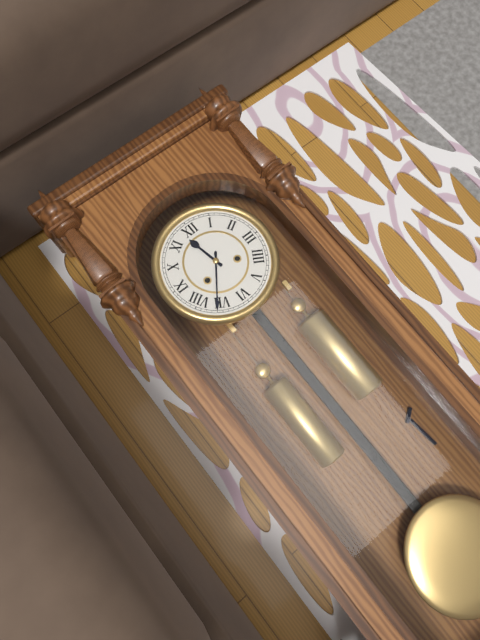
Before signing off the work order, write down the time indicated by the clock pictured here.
11:36
